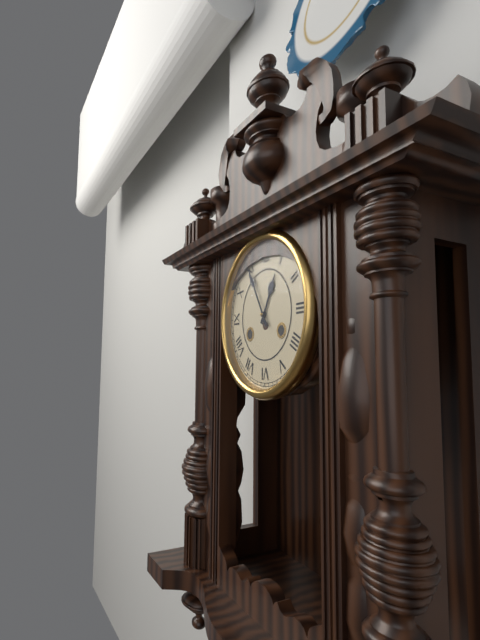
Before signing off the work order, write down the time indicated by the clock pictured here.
12:55
